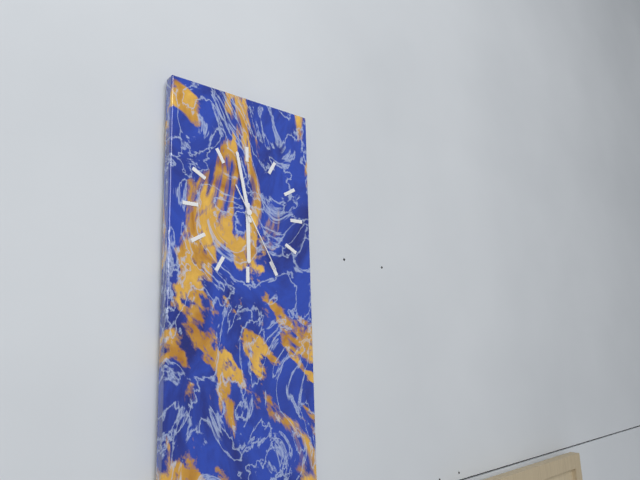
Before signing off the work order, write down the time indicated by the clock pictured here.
5:58:25
